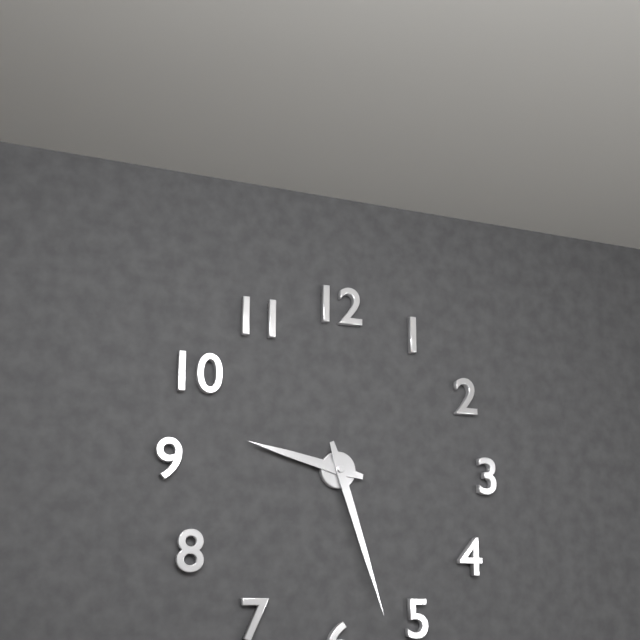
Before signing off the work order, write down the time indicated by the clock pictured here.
9:27
